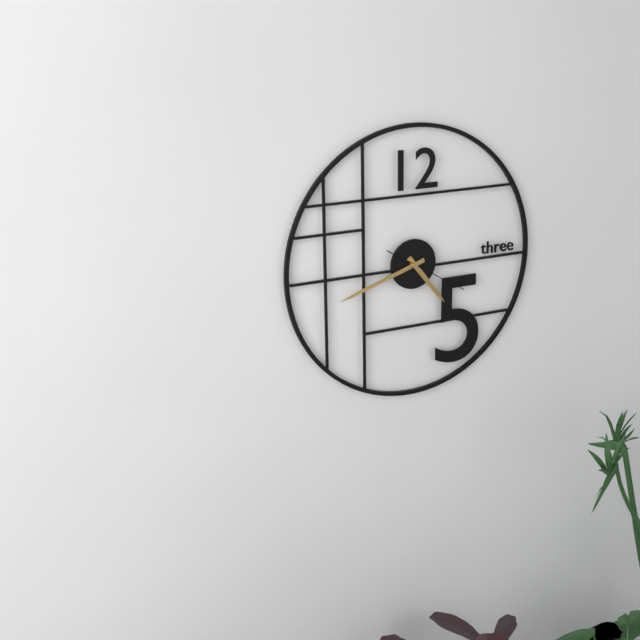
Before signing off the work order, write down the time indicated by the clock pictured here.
4:42:20
